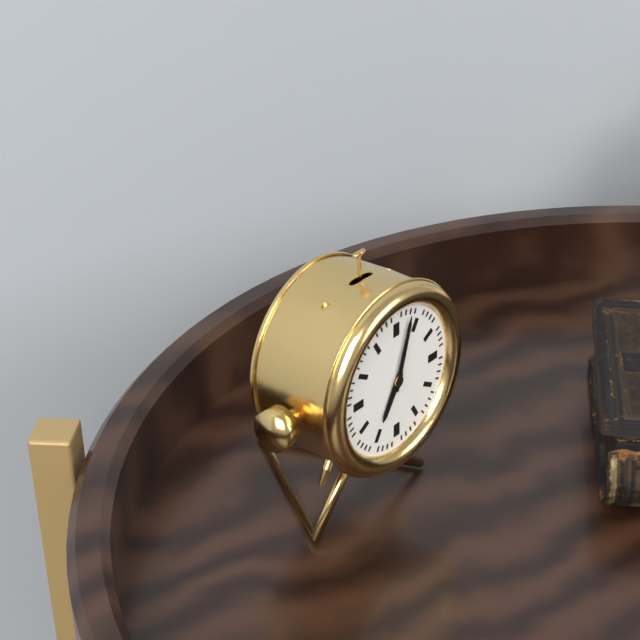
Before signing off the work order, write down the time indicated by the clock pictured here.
7:03
